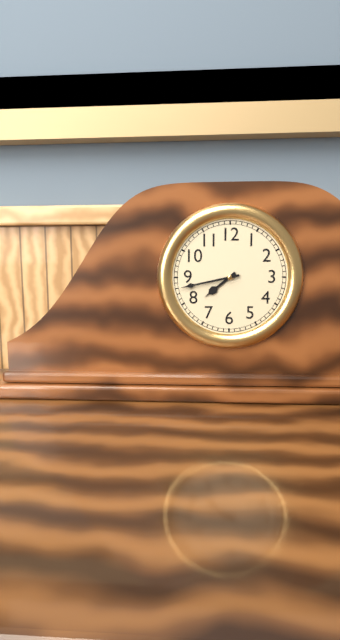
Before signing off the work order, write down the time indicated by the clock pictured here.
7:43
